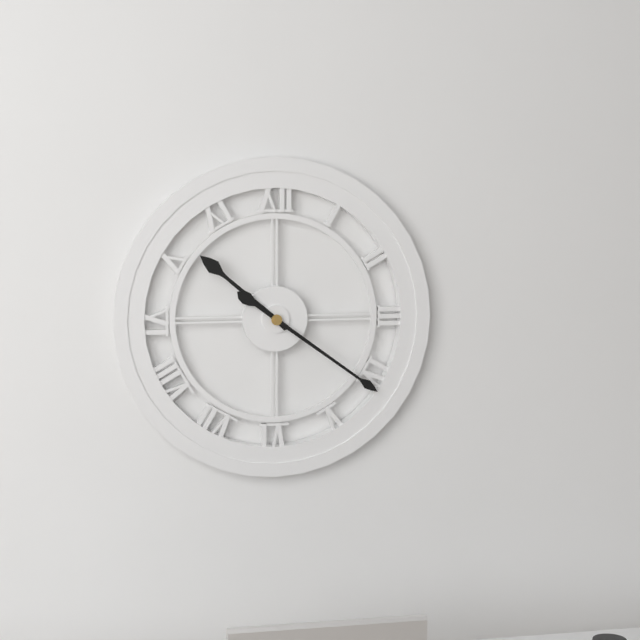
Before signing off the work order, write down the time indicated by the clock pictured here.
10:21
